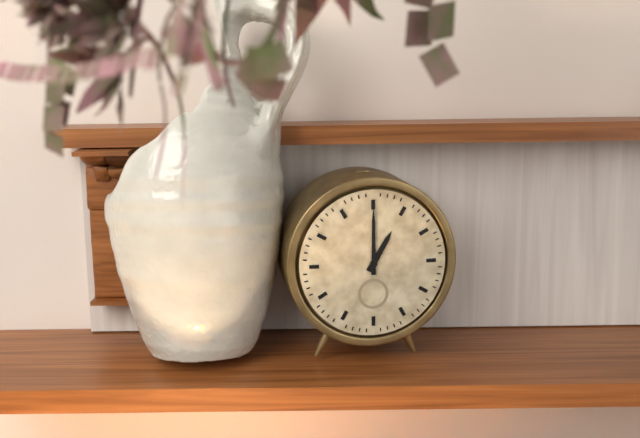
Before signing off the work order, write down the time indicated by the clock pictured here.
1:00
